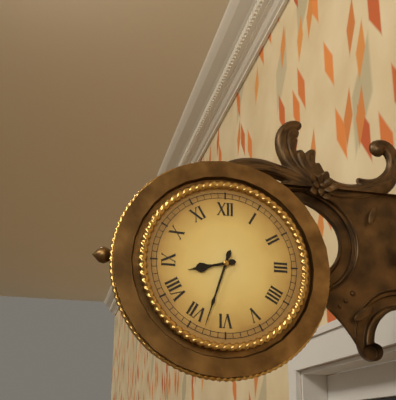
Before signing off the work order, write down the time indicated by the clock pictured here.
8:33
